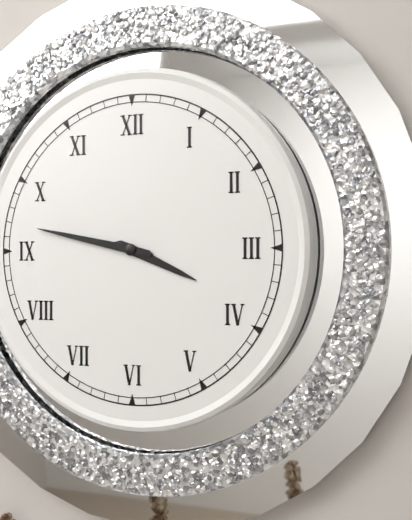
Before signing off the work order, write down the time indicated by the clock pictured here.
3:47
